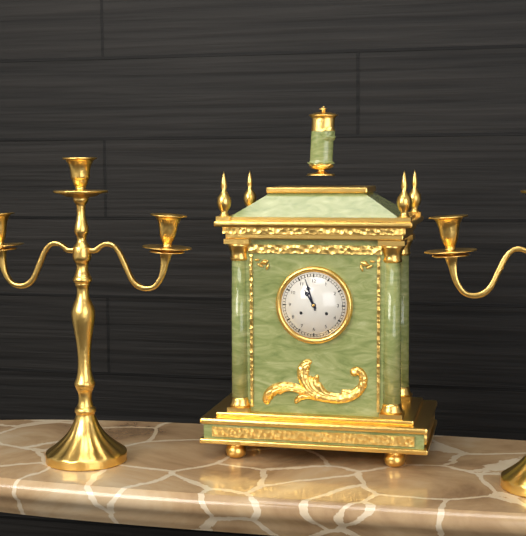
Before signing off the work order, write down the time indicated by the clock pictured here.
10:57
